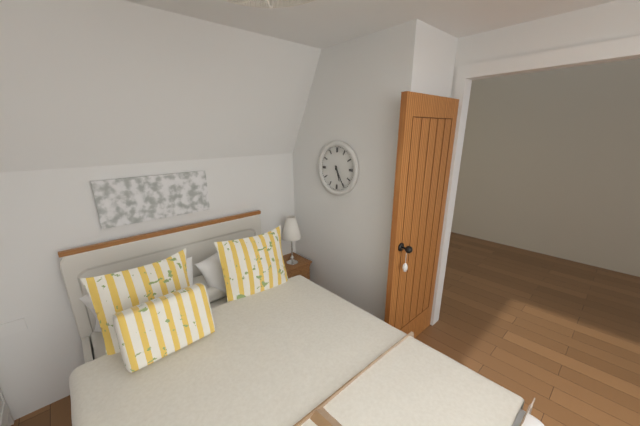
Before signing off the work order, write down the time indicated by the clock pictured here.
5:25
